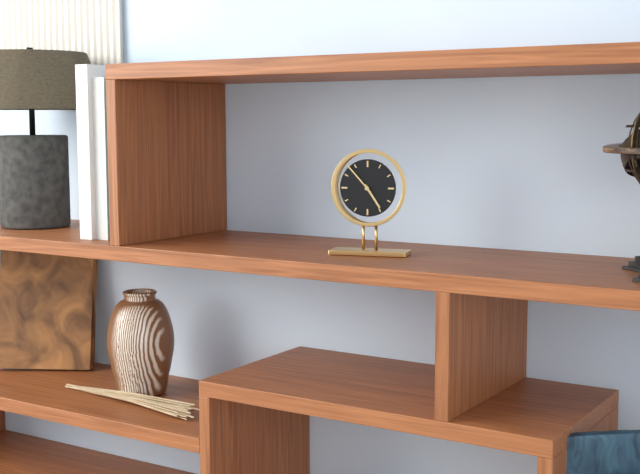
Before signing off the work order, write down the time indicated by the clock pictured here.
4:53
